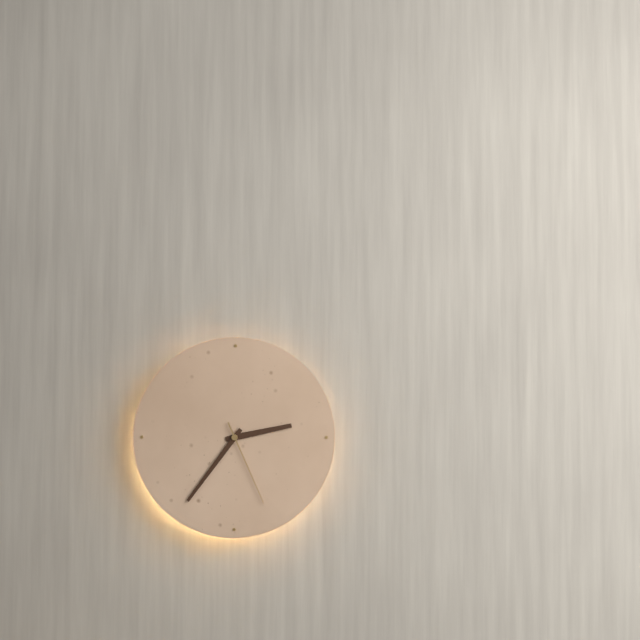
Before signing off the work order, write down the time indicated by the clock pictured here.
2:36:26
